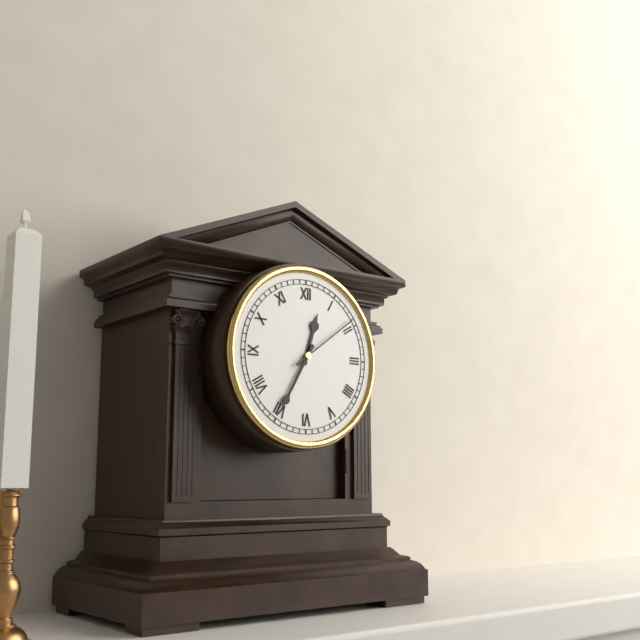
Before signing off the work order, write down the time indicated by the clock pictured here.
12:35:09
